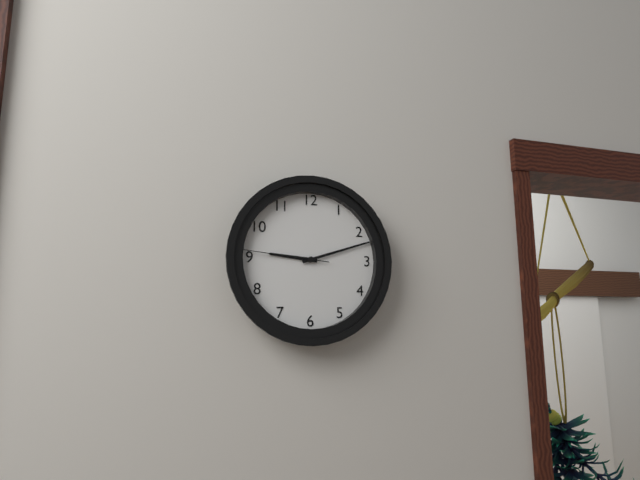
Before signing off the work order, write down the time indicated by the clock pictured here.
9:12:46
